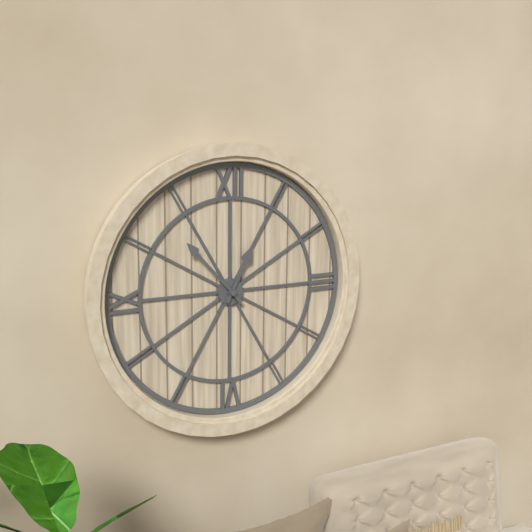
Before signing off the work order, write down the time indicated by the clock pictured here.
12:53
